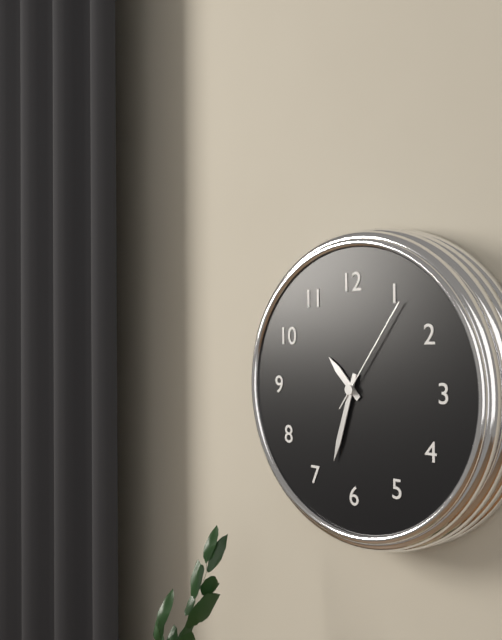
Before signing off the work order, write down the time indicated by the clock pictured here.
10:33:06
